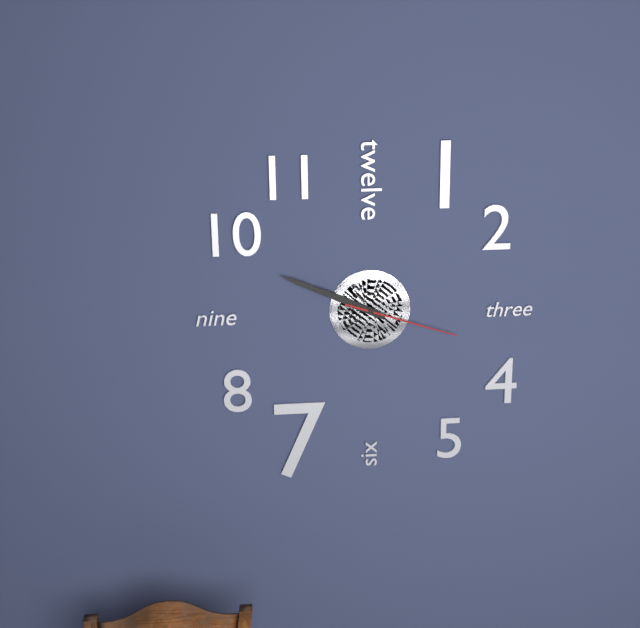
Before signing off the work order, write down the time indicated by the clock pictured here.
9:49:18
